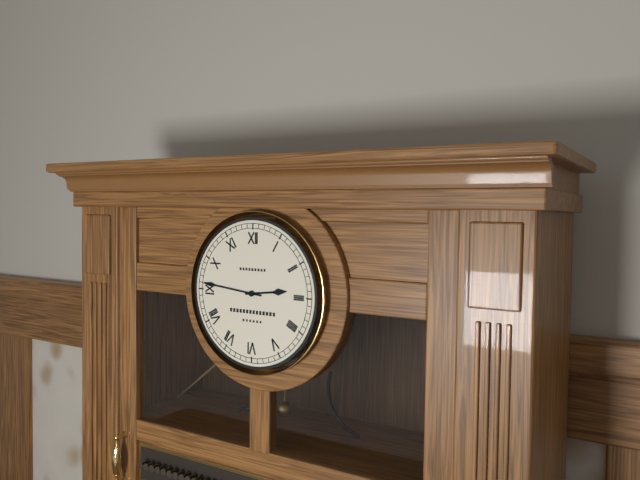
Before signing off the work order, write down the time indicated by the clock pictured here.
2:46
